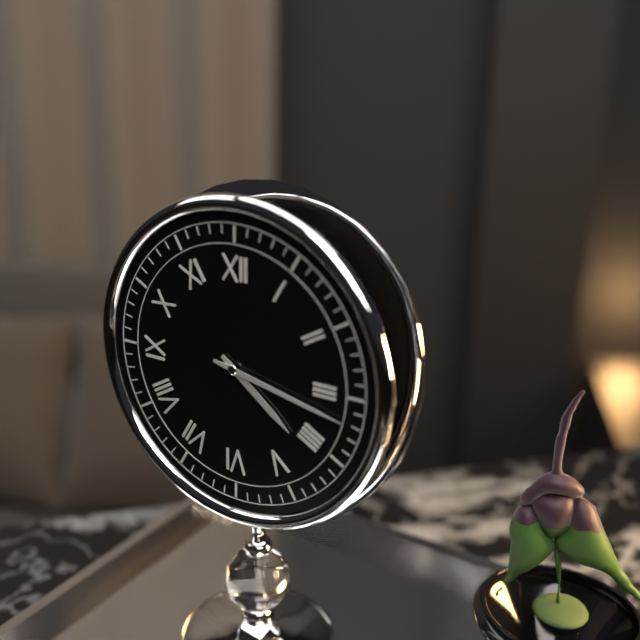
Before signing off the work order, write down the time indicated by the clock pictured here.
4:17
